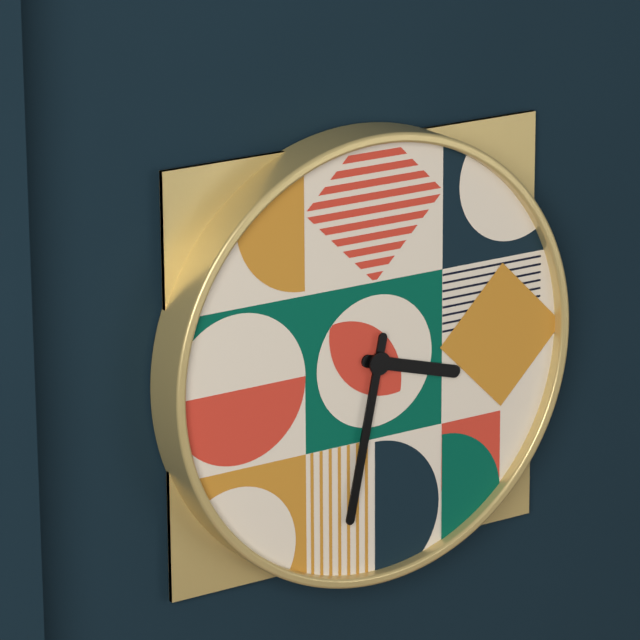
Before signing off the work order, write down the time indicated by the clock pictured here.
3:32
